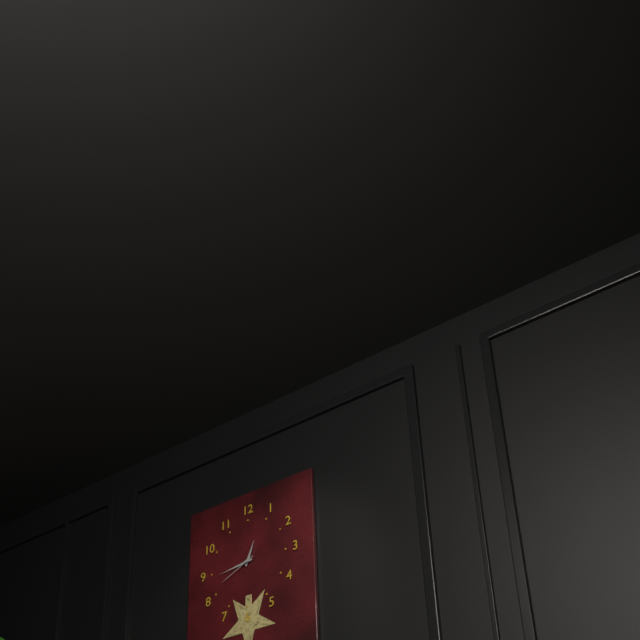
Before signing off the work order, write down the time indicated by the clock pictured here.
12:44
